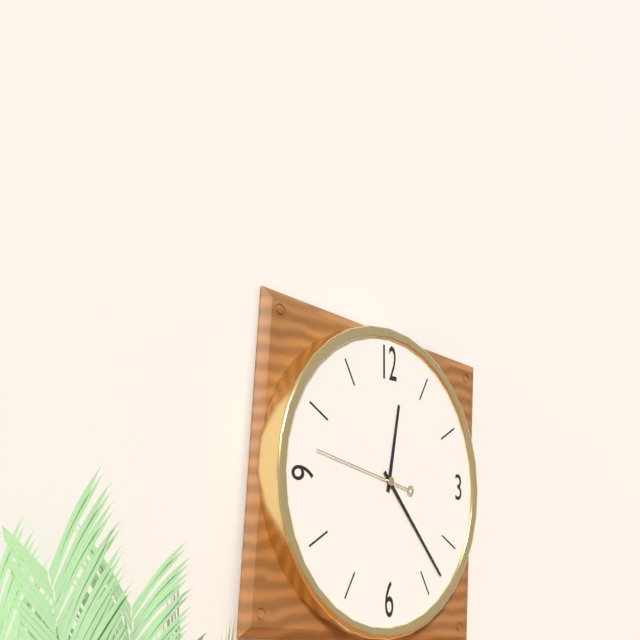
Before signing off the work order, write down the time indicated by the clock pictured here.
12:23:47
